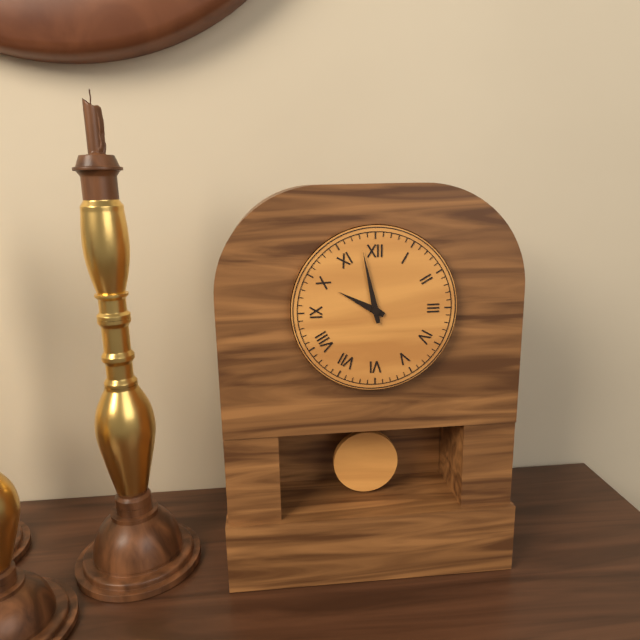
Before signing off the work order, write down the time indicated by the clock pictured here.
9:58
